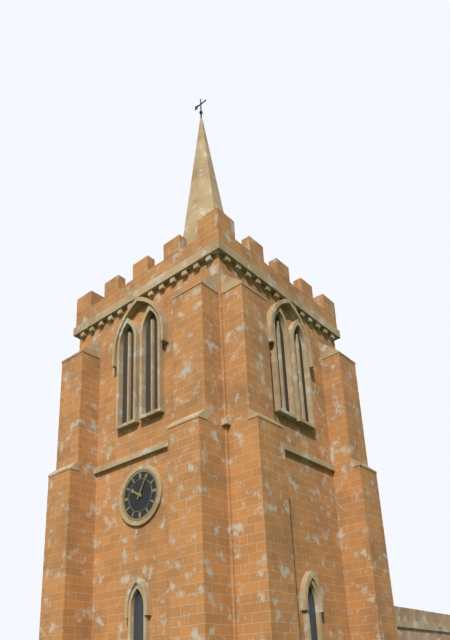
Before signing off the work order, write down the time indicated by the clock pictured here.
10:05
